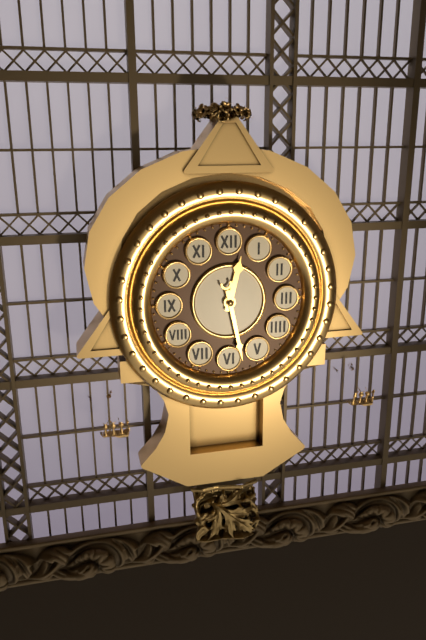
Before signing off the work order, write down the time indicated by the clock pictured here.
12:28
